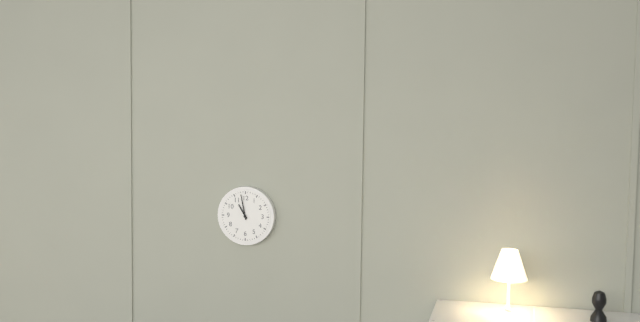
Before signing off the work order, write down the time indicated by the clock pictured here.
10:58
